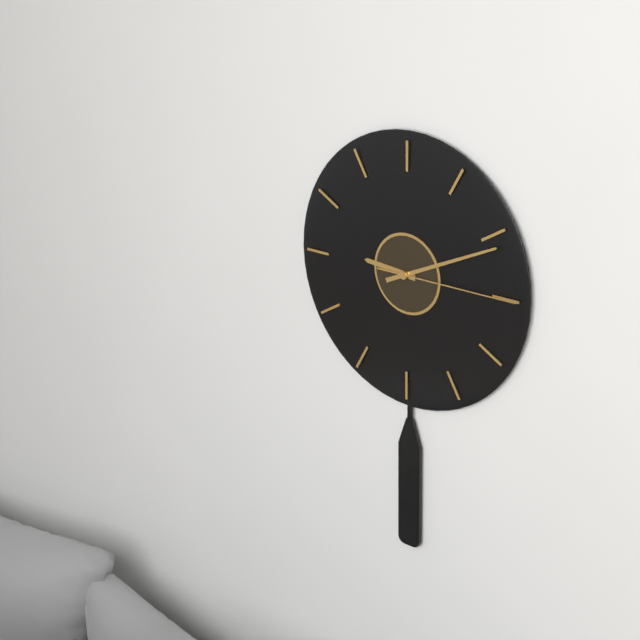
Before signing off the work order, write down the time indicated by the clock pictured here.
9:11:15
